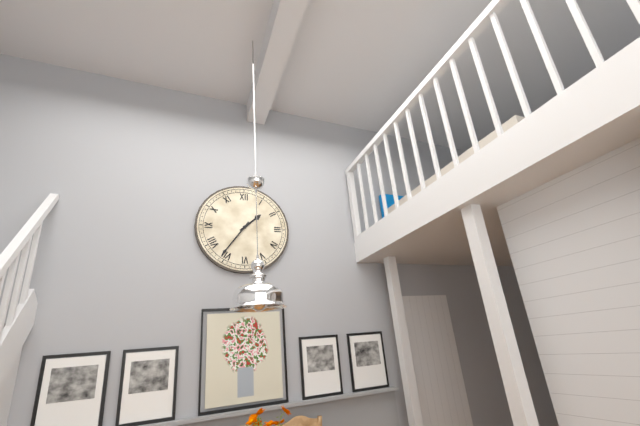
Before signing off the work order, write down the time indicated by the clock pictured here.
1:36
